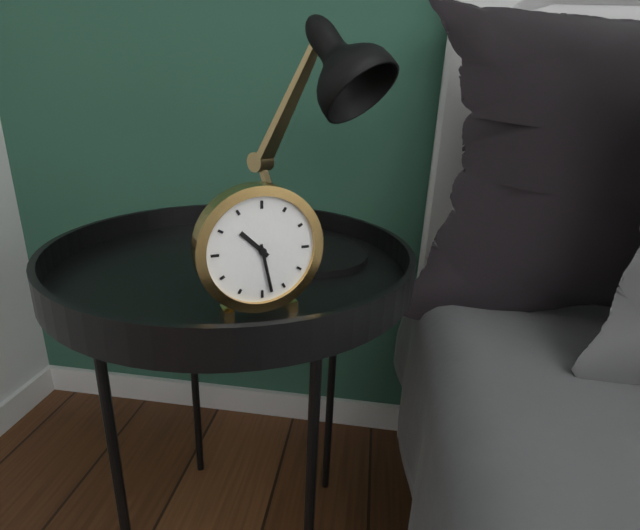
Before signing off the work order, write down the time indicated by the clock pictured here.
10:28
